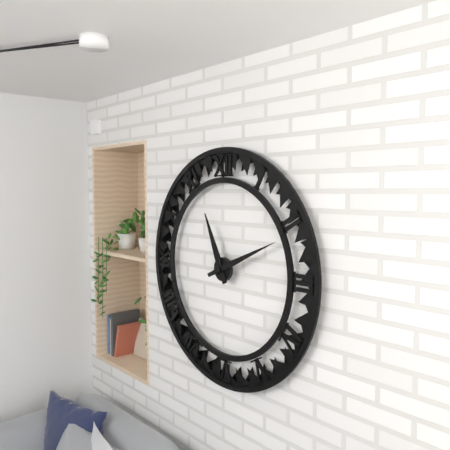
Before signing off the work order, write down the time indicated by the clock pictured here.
11:11
